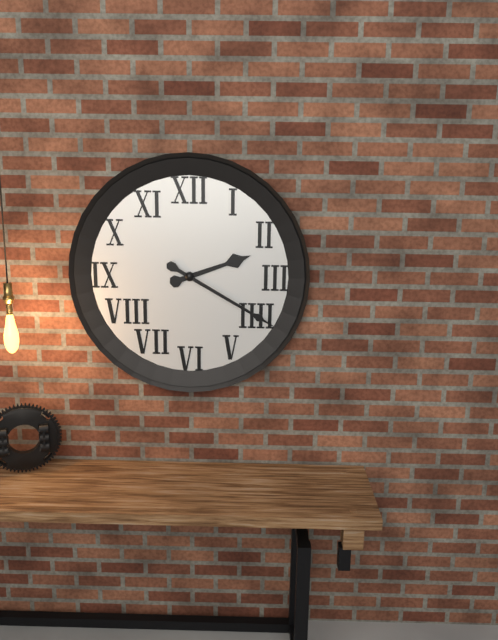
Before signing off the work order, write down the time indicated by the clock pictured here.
2:20
